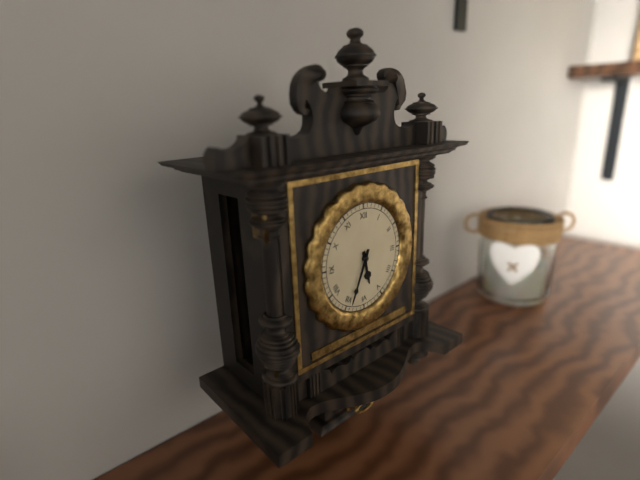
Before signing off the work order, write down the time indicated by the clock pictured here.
5:34
